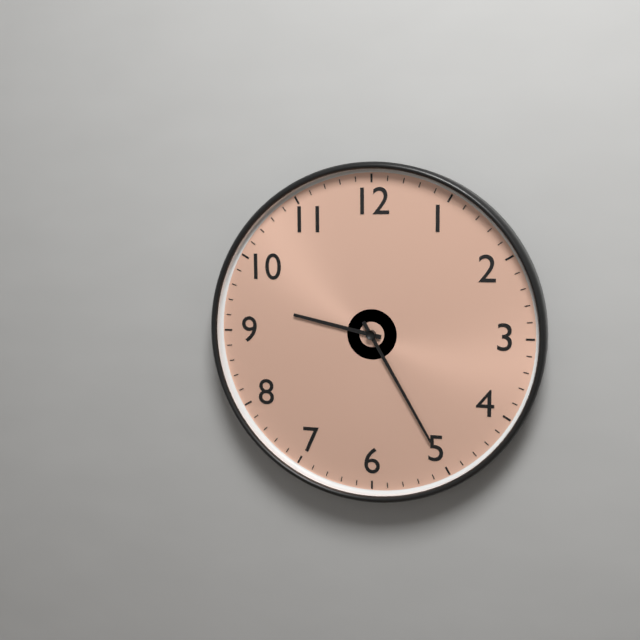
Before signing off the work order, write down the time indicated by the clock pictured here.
9:25
